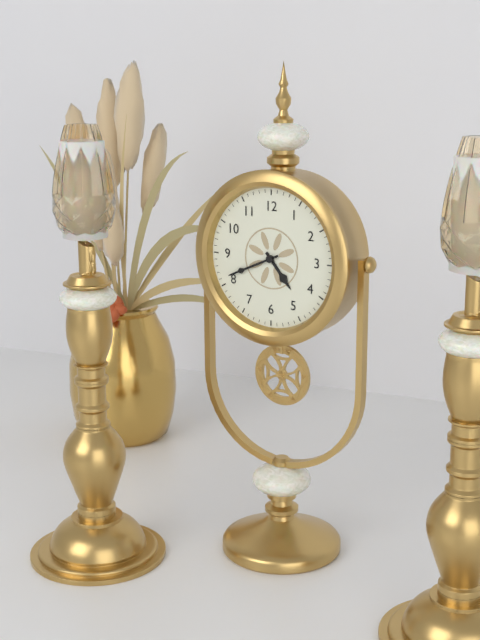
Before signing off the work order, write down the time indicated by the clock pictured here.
4:41
